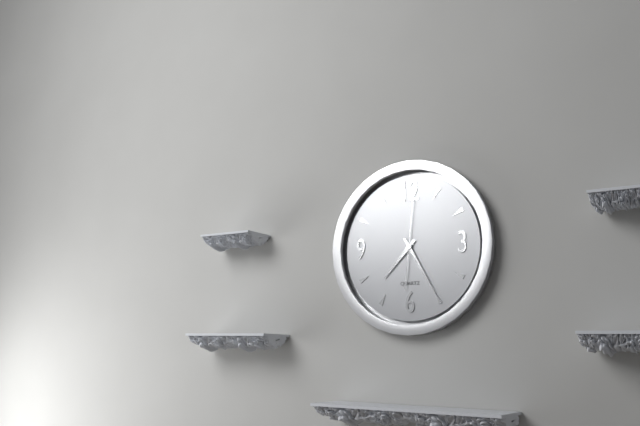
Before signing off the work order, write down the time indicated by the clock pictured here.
7:25:01
